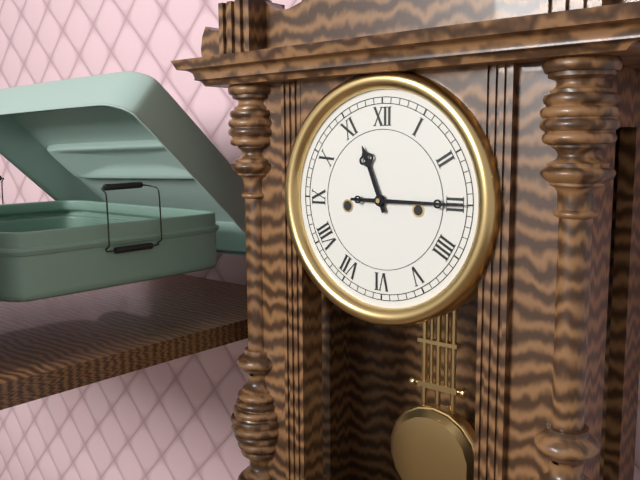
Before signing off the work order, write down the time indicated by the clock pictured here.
11:15
